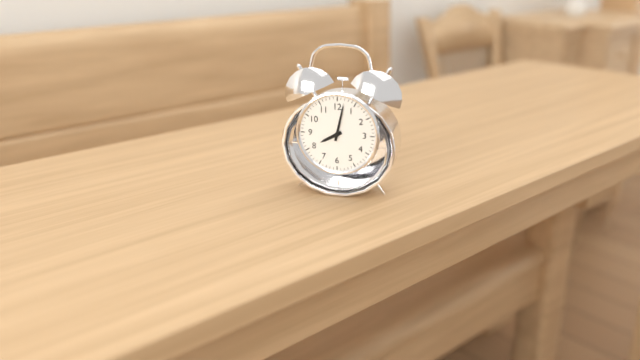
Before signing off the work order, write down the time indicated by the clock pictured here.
8:02
